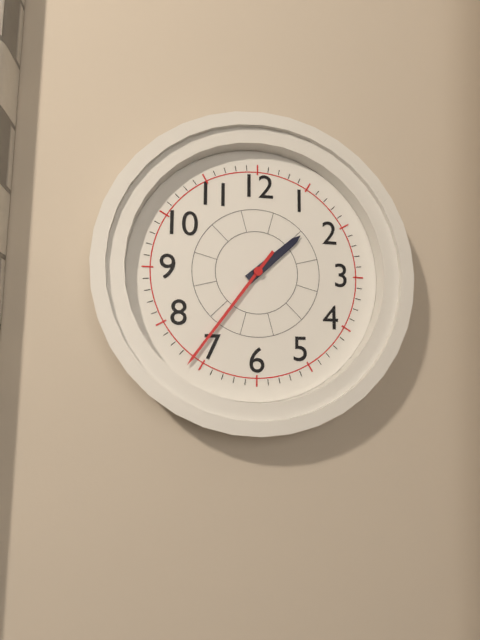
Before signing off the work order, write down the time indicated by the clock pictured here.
1:36
